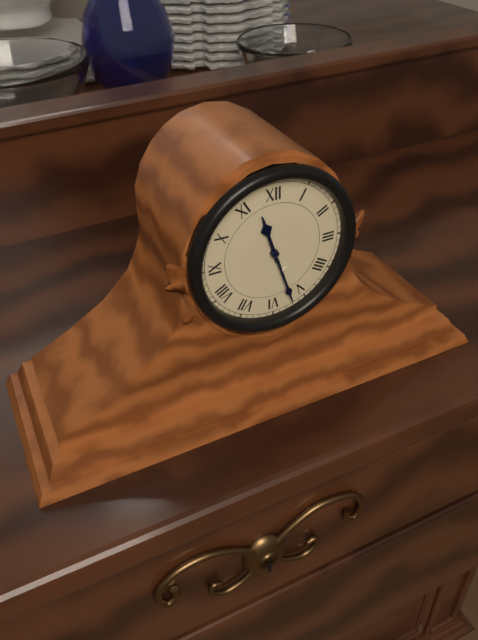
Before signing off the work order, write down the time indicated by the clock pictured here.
11:27
